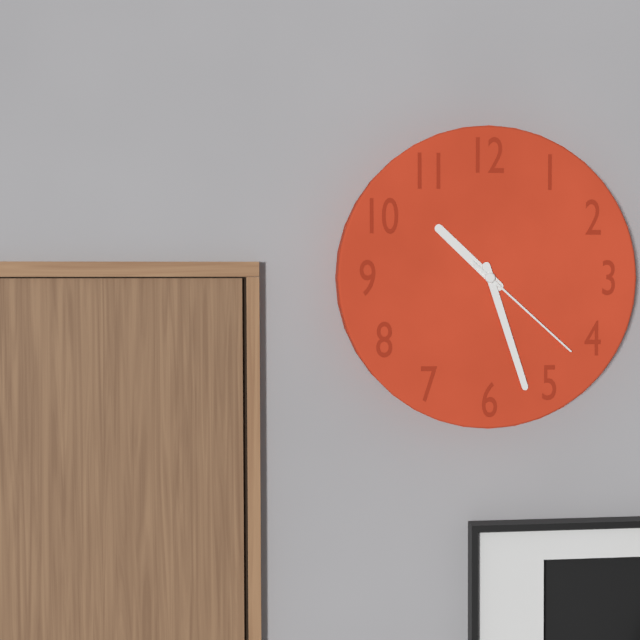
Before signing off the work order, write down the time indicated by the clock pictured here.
10:27:22
